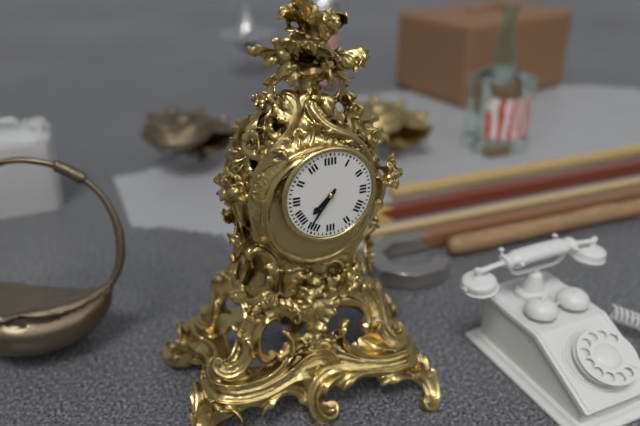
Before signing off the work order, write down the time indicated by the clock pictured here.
7:36
